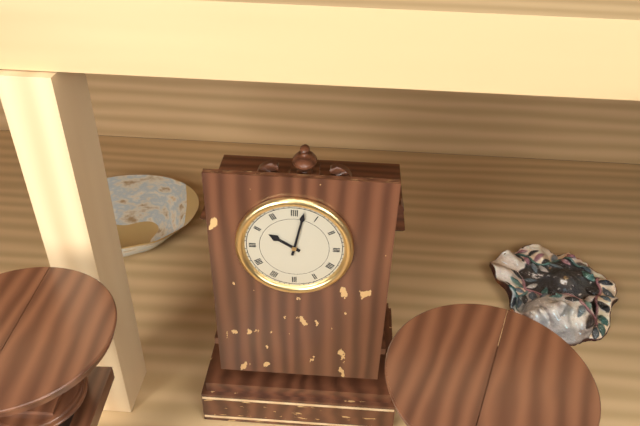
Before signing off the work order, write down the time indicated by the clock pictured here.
10:02
